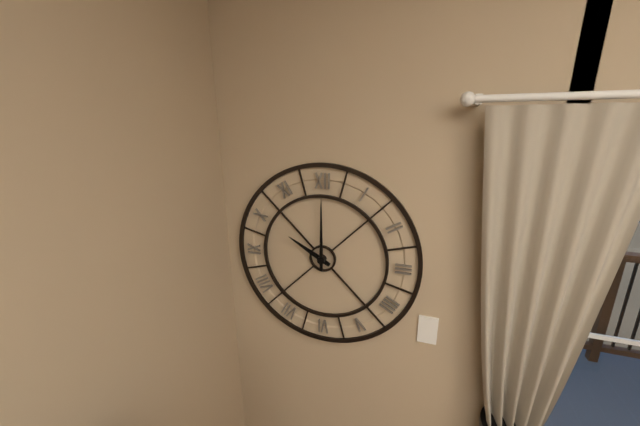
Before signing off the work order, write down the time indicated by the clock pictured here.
10:00
